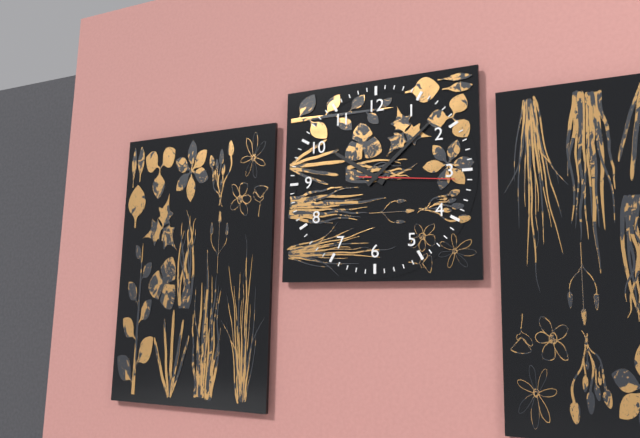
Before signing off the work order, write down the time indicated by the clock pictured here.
10:08:16
